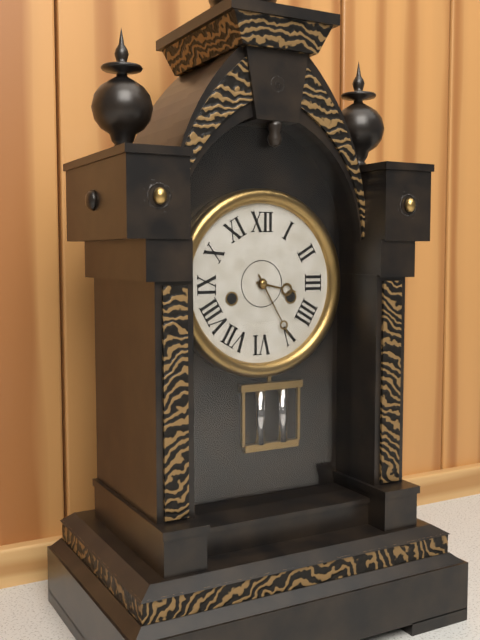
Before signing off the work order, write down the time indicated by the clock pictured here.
3:25
